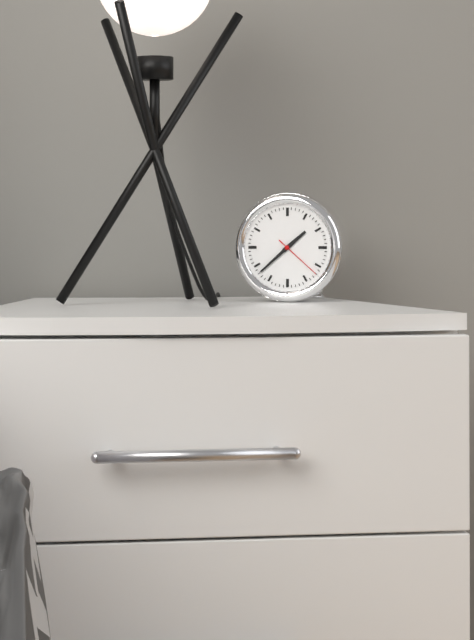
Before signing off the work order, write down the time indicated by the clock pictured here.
1:38
